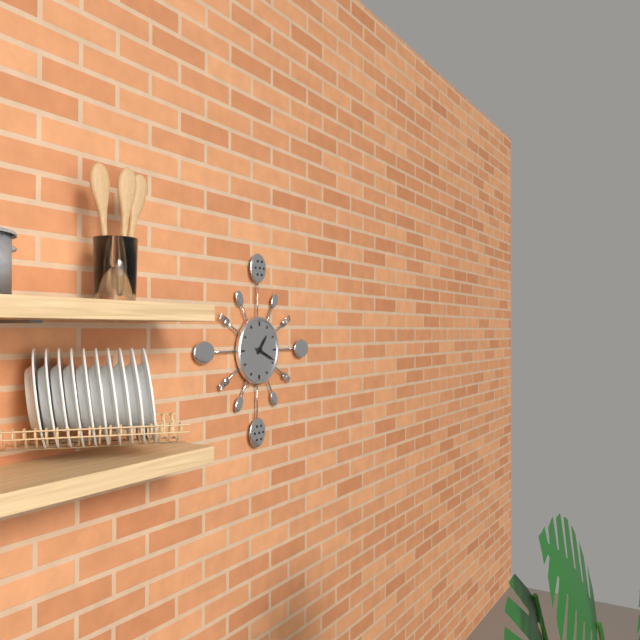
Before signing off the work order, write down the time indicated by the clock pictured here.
1:19
